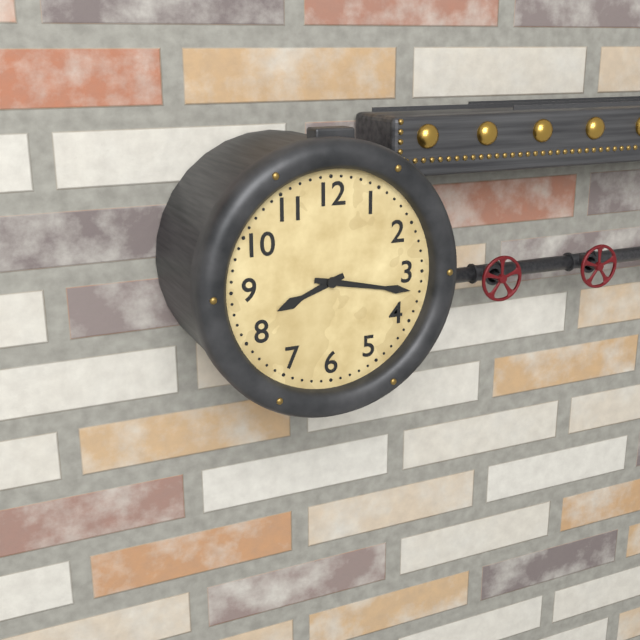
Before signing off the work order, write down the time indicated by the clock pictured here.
8:17
